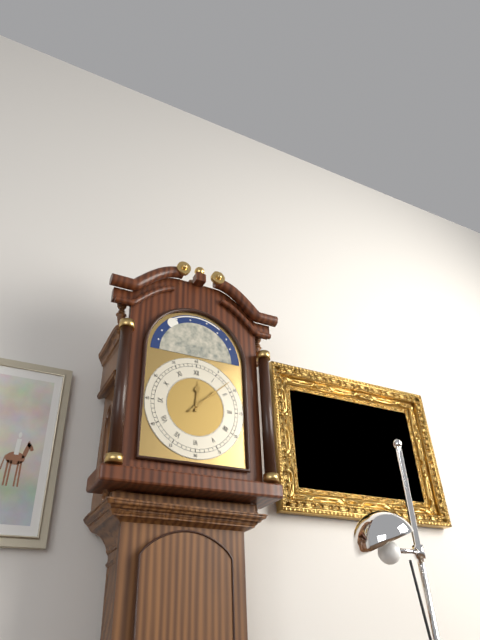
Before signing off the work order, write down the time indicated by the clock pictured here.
12:08
